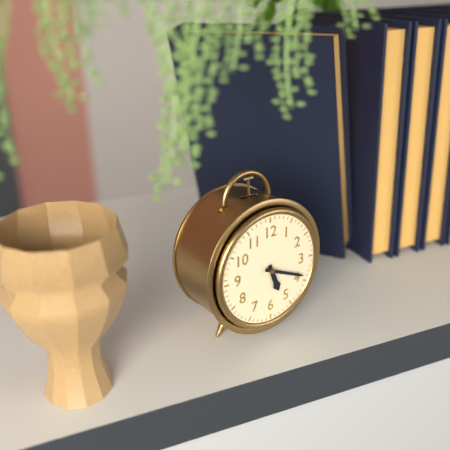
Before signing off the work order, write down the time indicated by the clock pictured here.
5:19
